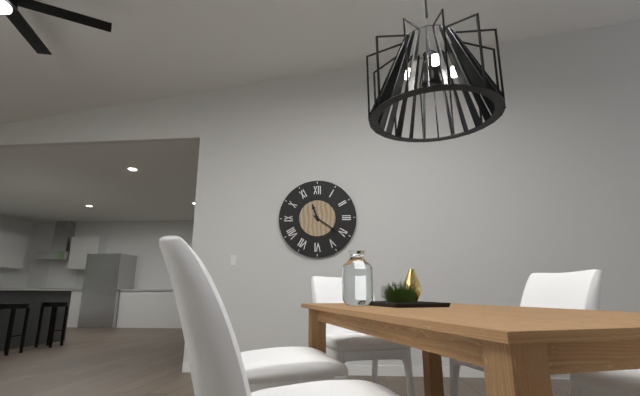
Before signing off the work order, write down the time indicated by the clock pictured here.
11:21
